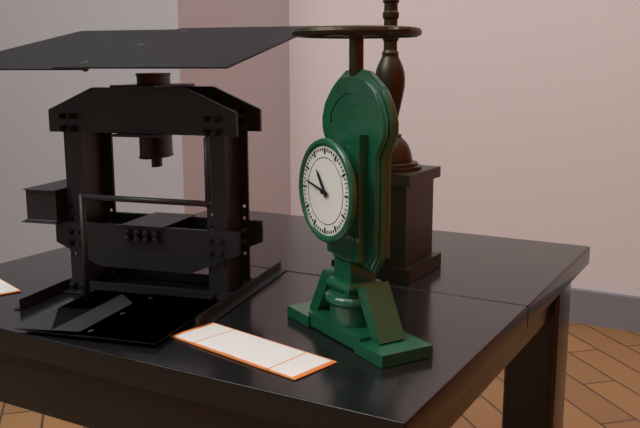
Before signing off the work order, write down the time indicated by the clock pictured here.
10:47
